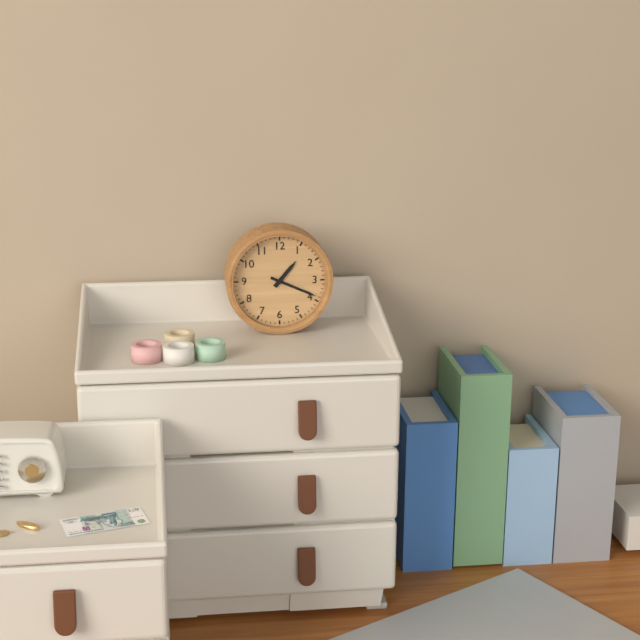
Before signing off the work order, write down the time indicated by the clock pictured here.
1:19
